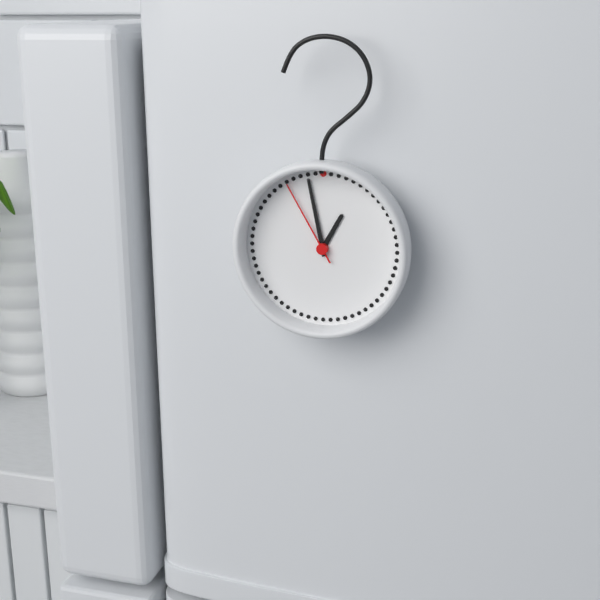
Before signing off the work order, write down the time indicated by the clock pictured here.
12:58:55
